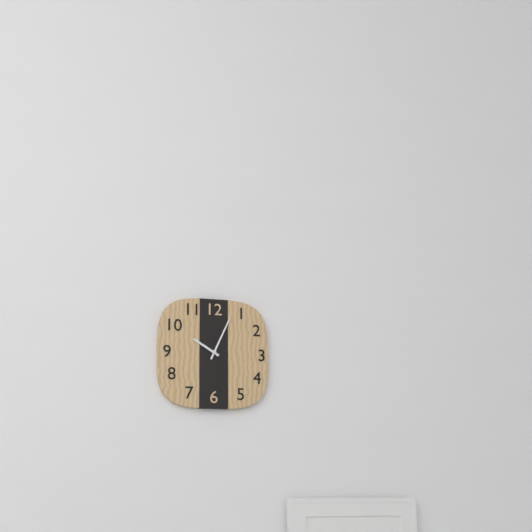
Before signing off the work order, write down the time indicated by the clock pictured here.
10:04
